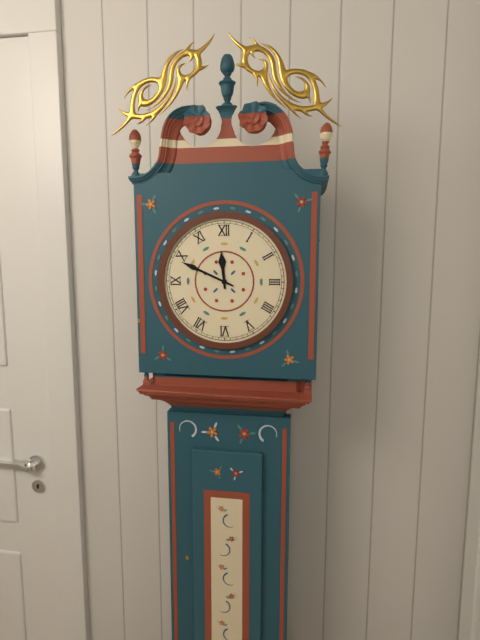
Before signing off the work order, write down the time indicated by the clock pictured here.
11:49
